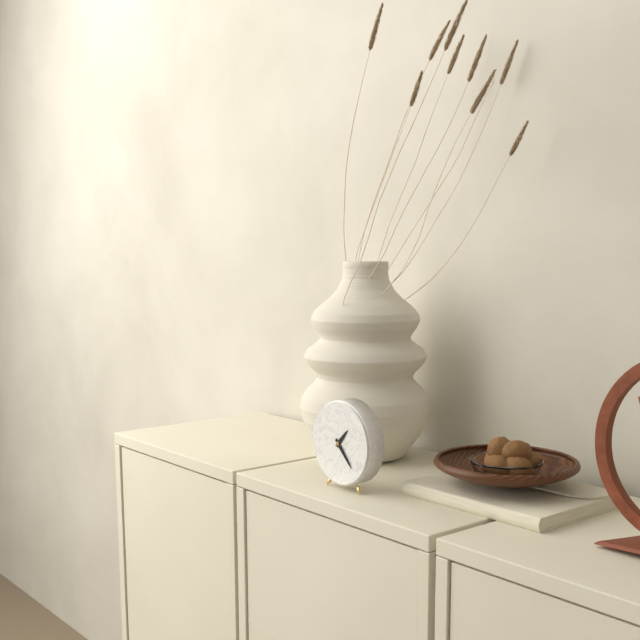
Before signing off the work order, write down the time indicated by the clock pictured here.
1:23
